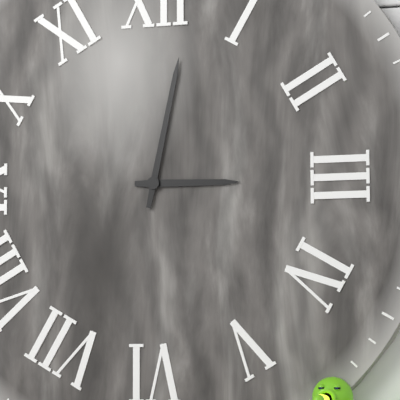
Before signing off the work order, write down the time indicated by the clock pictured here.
3:02
